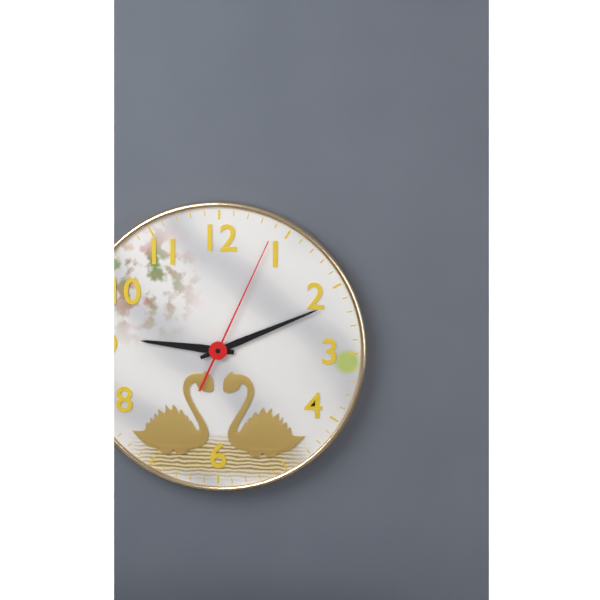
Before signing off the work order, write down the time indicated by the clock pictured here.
9:11:04
